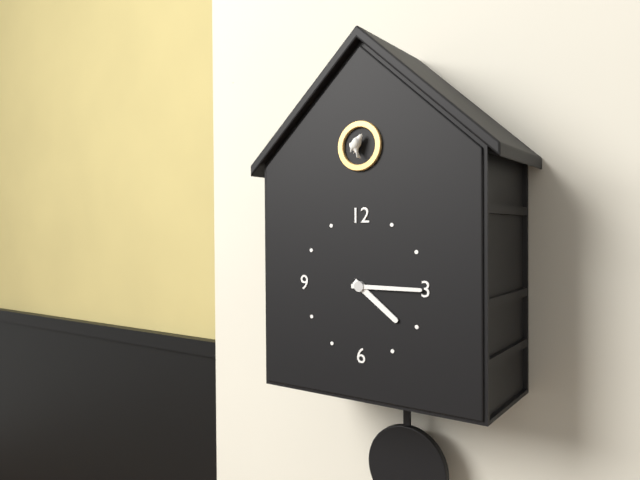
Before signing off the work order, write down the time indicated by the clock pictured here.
4:15
